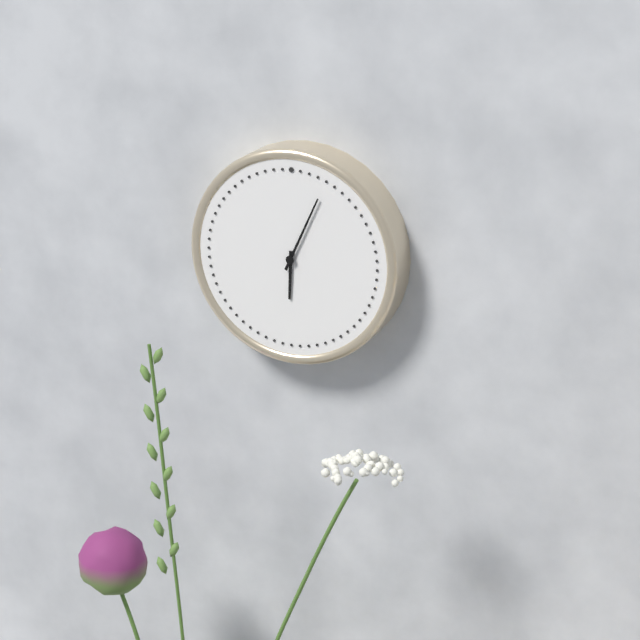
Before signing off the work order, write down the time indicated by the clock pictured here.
6:04
